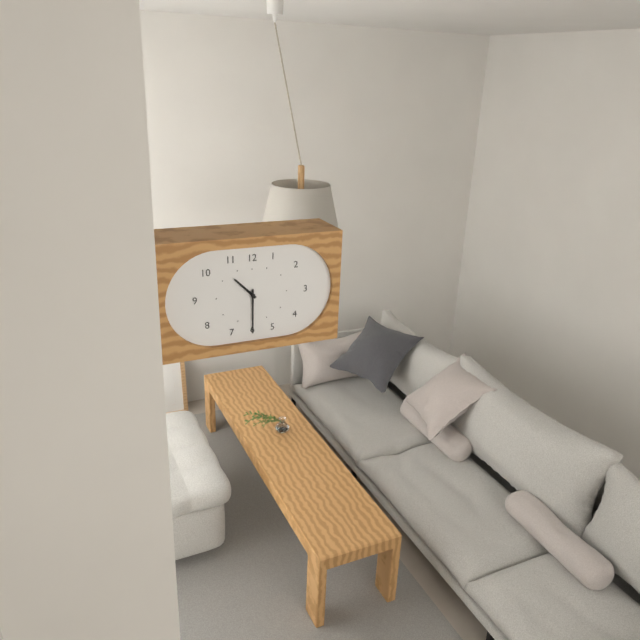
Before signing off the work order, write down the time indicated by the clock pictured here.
10:30
